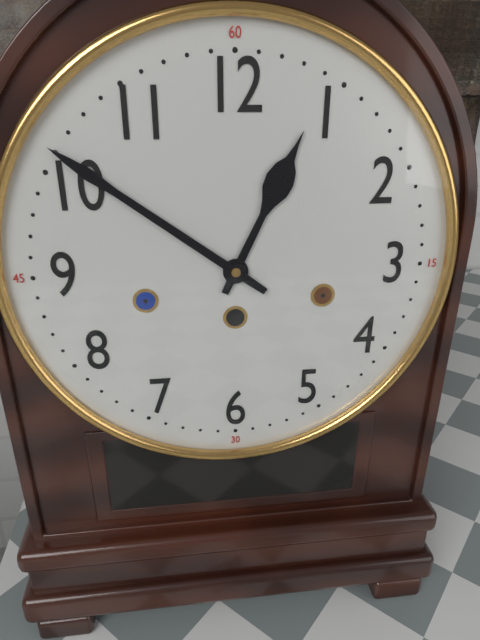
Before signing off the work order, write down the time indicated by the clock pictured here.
12:51
